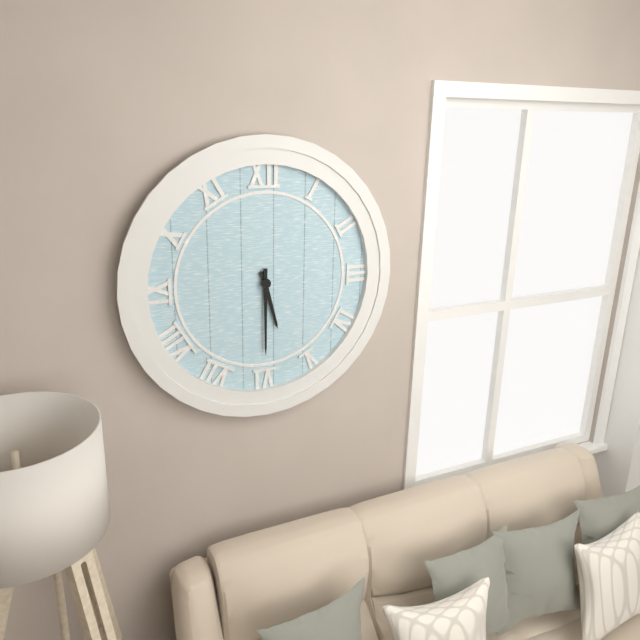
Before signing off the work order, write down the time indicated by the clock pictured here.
5:30
